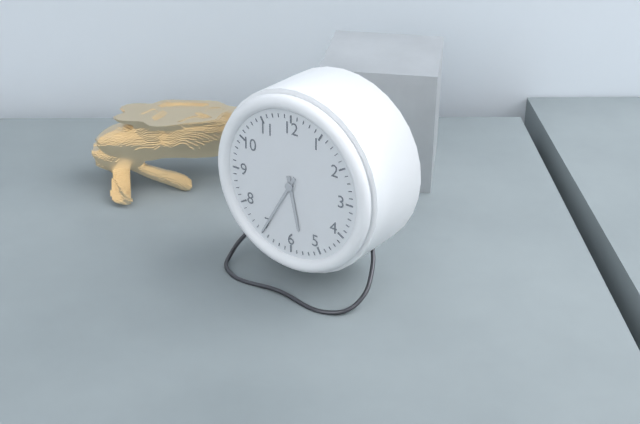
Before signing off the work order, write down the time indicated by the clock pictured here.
5:35
